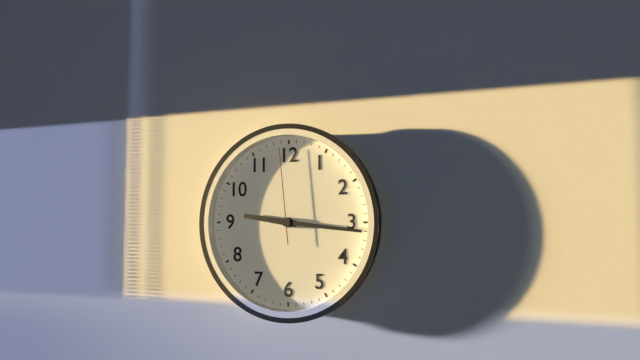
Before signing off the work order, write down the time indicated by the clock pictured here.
9:16:59
